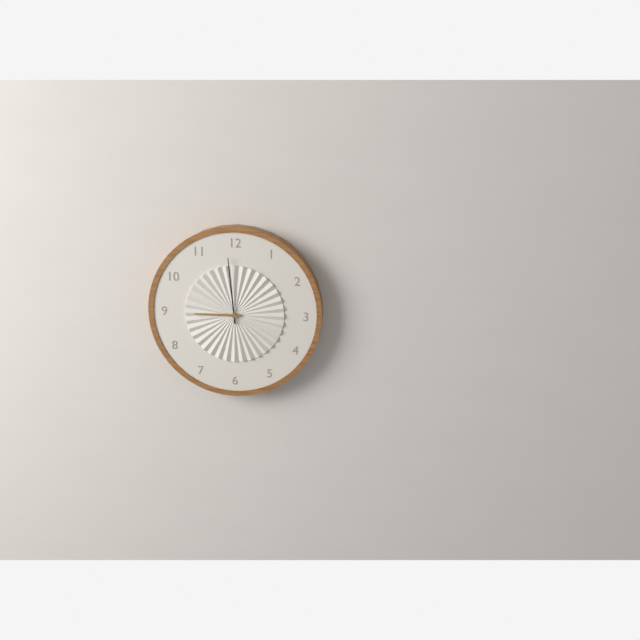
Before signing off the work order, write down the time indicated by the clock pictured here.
8:59
